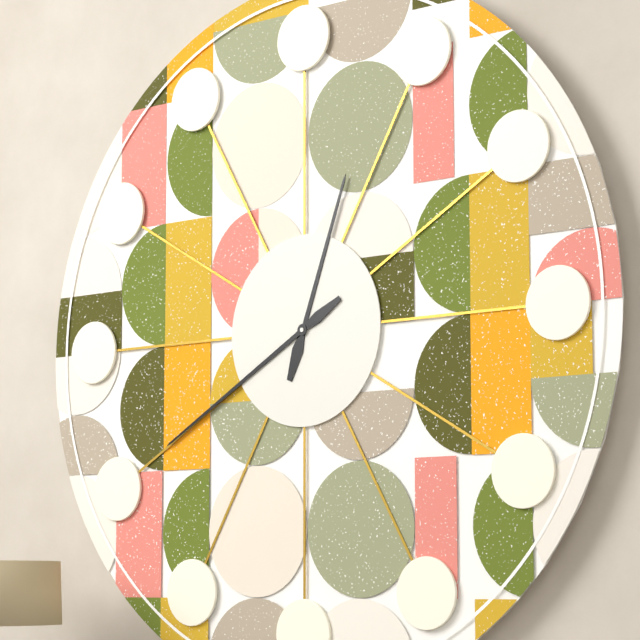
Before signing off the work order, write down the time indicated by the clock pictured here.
12:40
